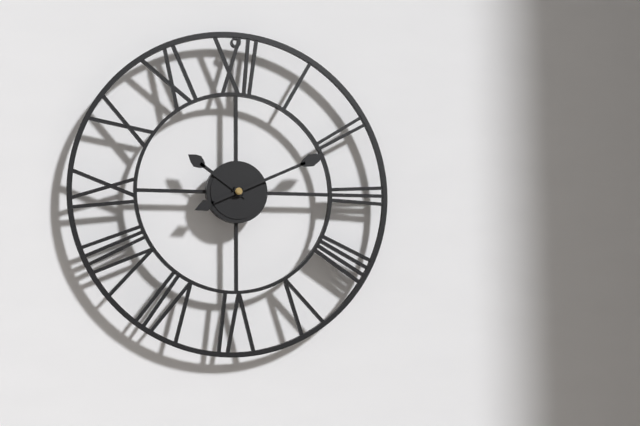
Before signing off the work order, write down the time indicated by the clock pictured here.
10:11
